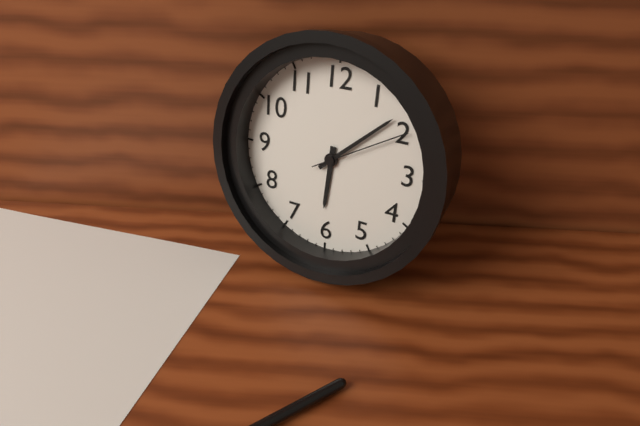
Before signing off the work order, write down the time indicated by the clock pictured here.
6:08:10
